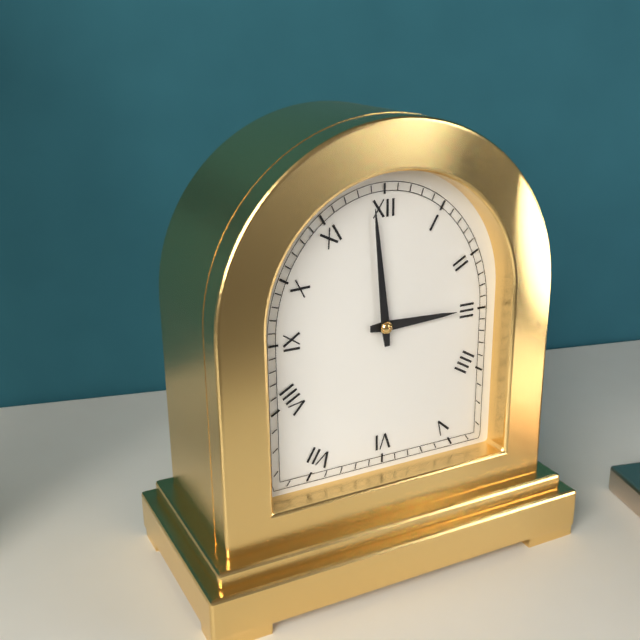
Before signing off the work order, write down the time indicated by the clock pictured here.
2:59
